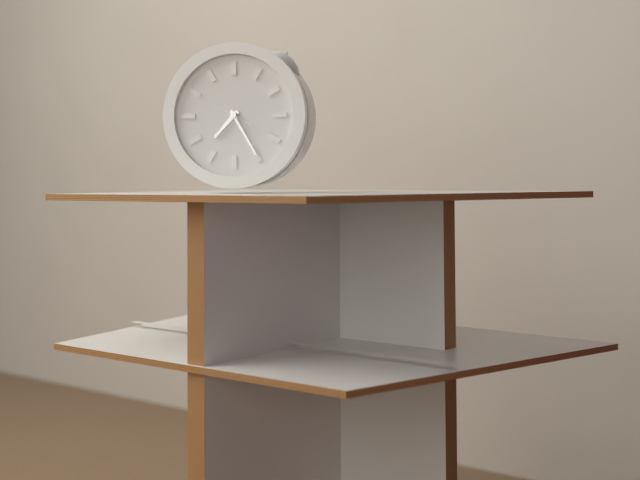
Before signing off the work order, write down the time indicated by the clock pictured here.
7:25:50
